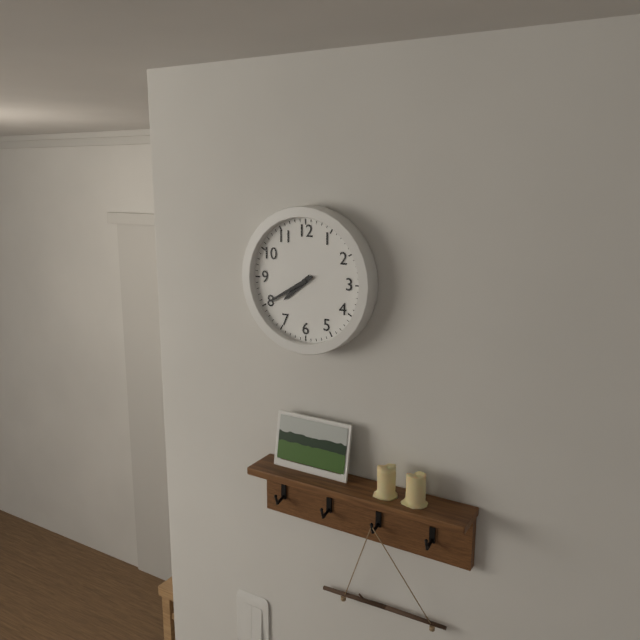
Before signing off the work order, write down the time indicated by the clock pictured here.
7:40
